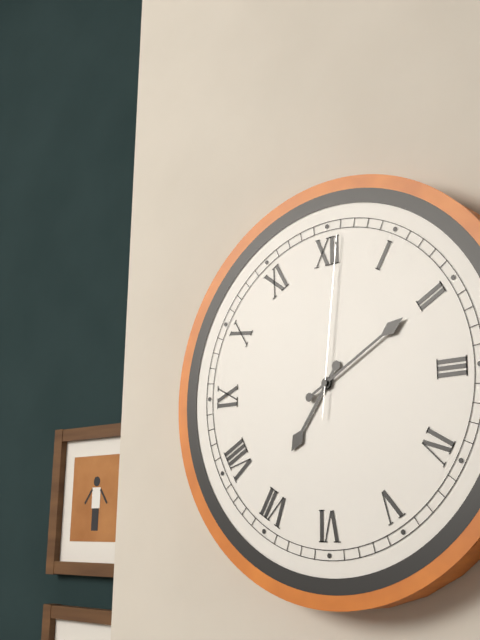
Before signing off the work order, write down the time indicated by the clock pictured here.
7:10:01
